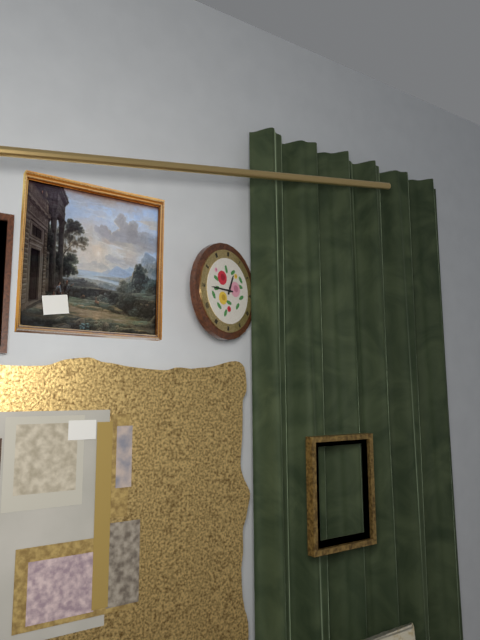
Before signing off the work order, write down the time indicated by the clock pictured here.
12:45
